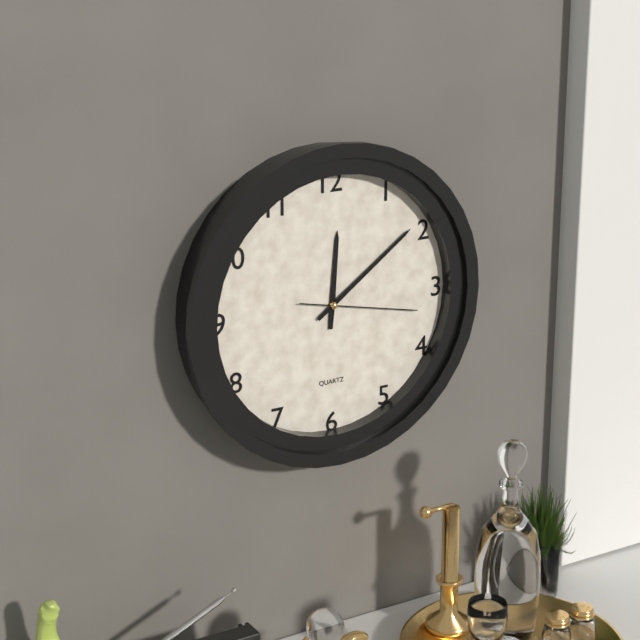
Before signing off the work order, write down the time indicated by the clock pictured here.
12:09:17
